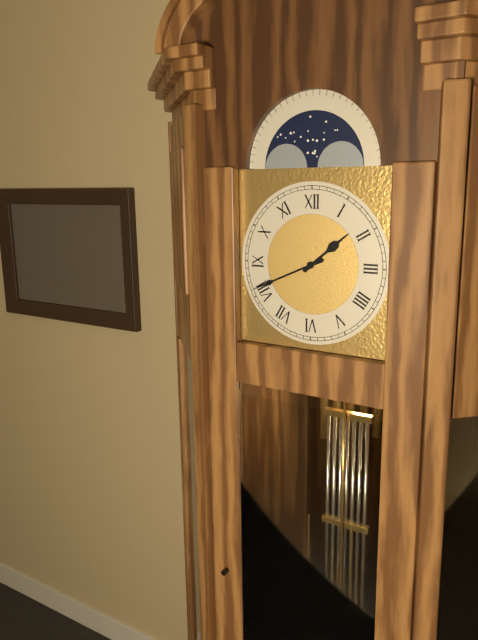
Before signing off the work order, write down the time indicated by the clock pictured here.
1:41
